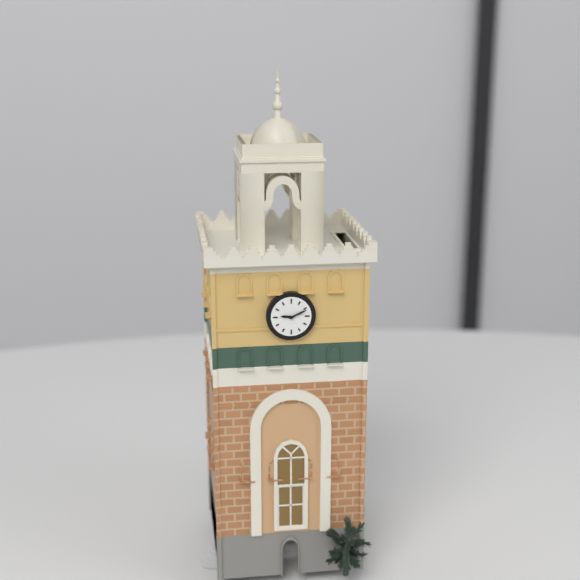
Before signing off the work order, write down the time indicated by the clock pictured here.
9:11
